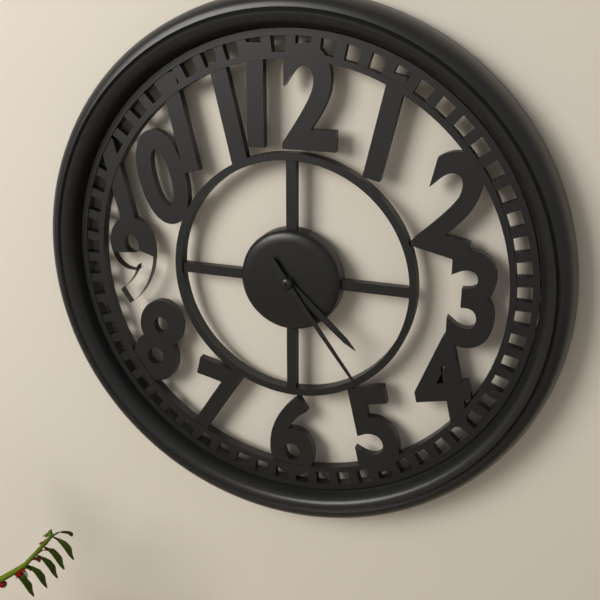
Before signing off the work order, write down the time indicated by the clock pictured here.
4:24
